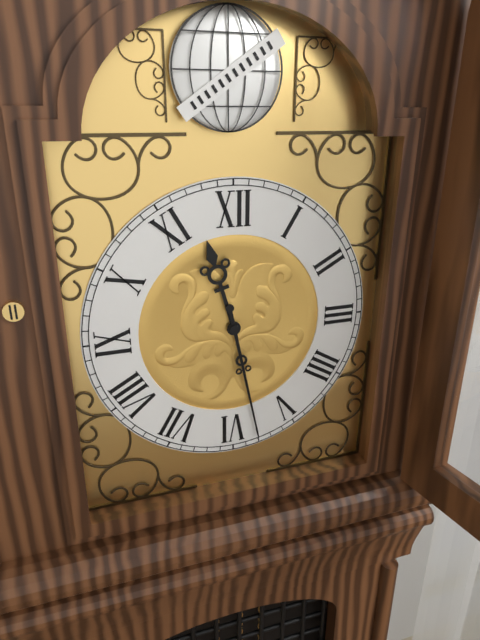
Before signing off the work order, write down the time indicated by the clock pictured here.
11:28
